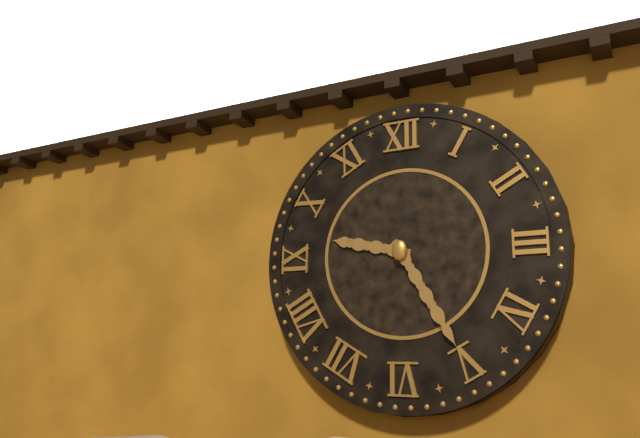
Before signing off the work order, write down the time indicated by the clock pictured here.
9:25
